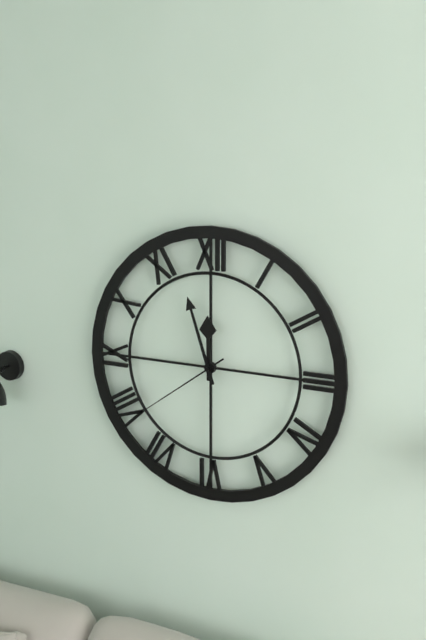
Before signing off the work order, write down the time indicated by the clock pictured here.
11:57:39
